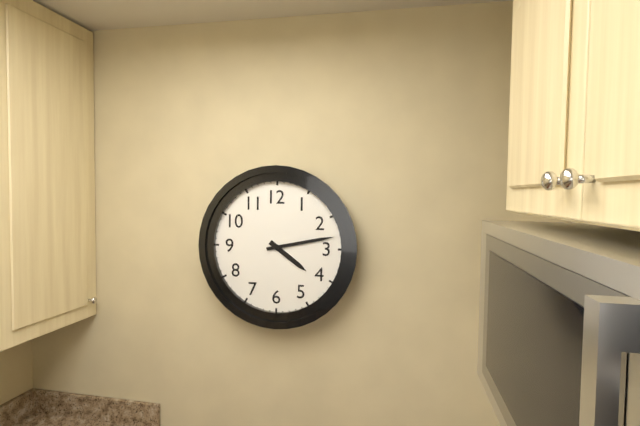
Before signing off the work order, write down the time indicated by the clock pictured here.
4:13
